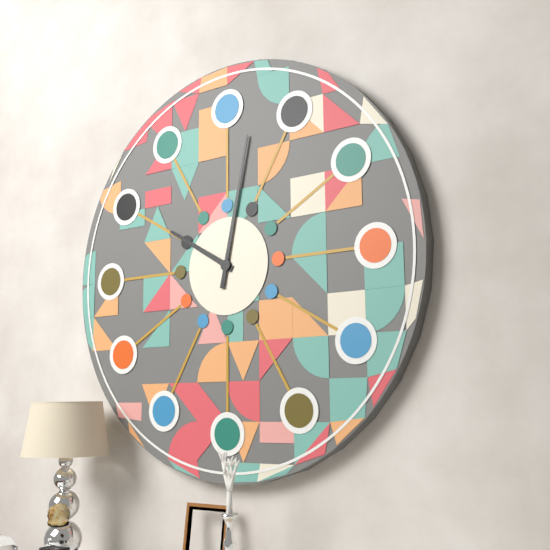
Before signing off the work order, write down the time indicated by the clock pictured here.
10:02
